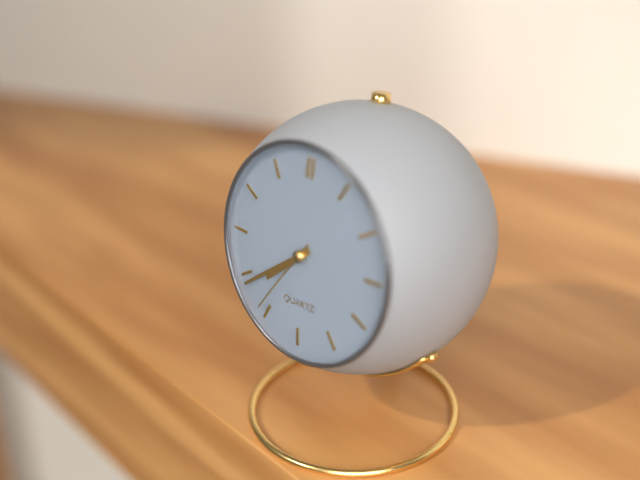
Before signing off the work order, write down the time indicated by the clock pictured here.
7:39:36
